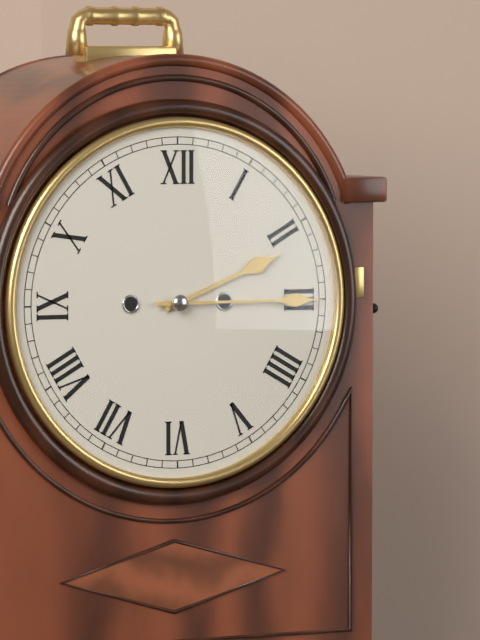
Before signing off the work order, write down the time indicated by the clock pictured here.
2:15
